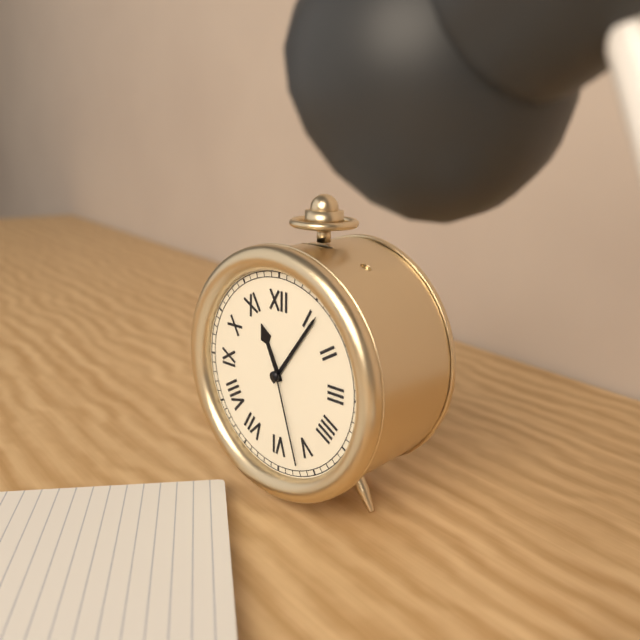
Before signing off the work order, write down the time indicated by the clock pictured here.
11:06:27
